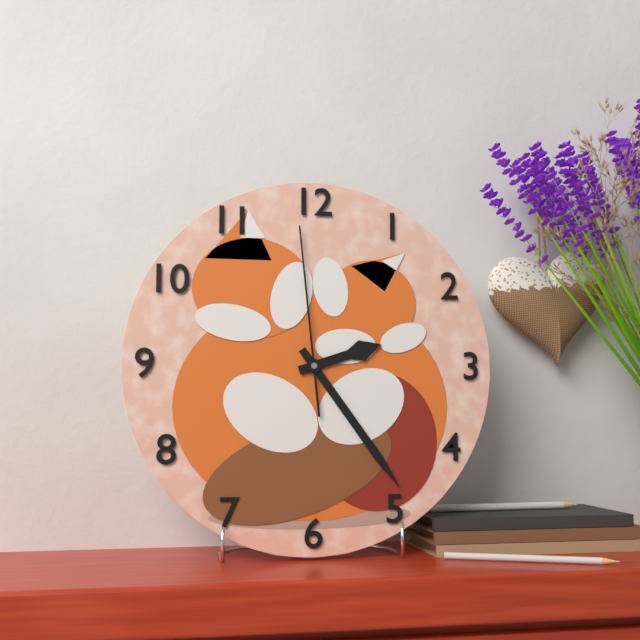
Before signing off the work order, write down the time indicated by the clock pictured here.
2:24:59
